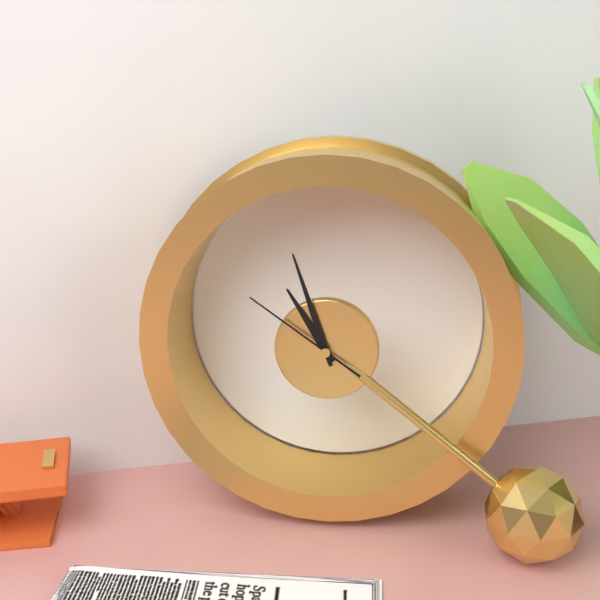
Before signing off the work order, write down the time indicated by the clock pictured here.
10:57:51
